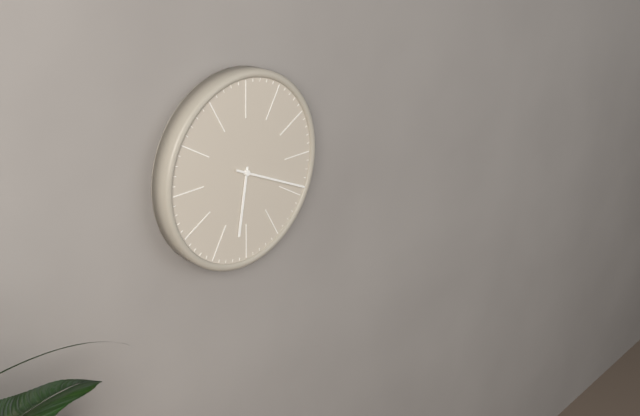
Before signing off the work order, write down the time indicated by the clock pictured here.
6:19
